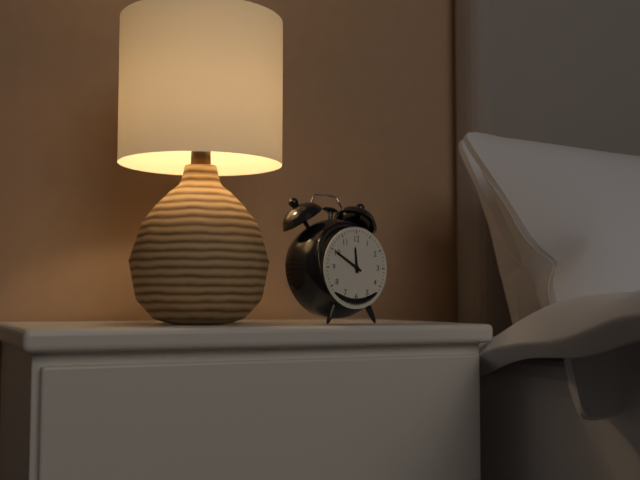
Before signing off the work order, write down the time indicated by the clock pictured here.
11:50
